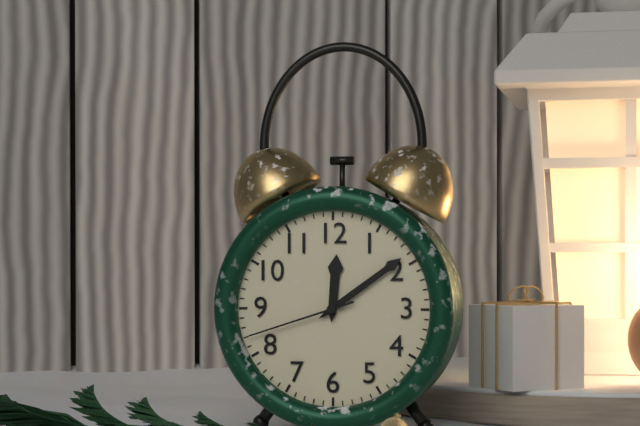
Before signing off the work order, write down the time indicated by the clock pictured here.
12:09:42
